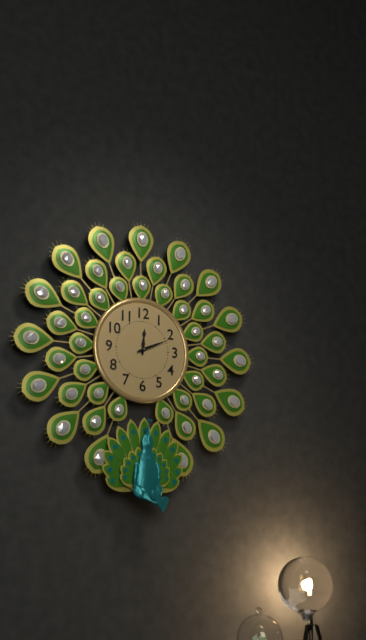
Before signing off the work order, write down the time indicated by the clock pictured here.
12:11
